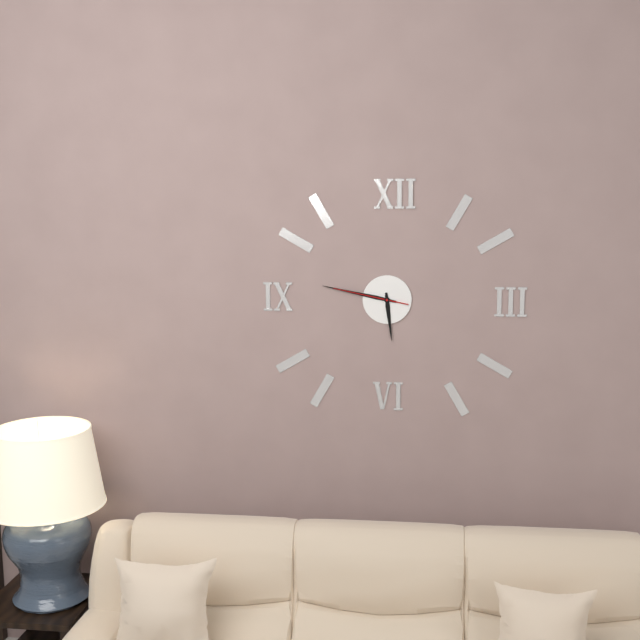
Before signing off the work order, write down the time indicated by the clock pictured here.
5:47:47
